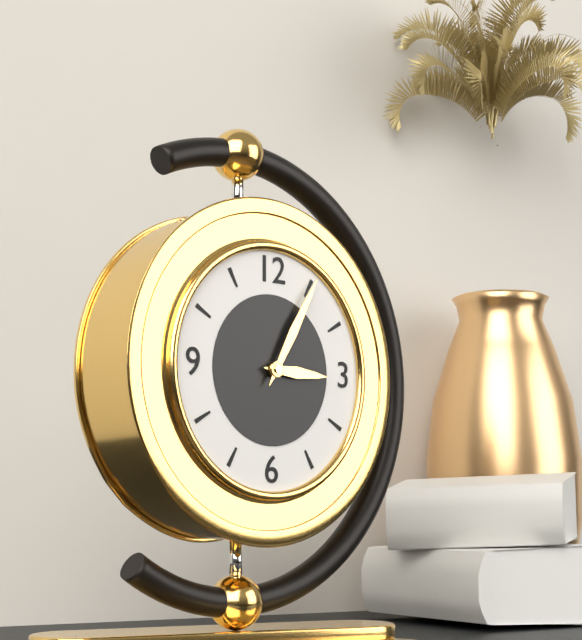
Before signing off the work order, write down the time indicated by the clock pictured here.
3:05
